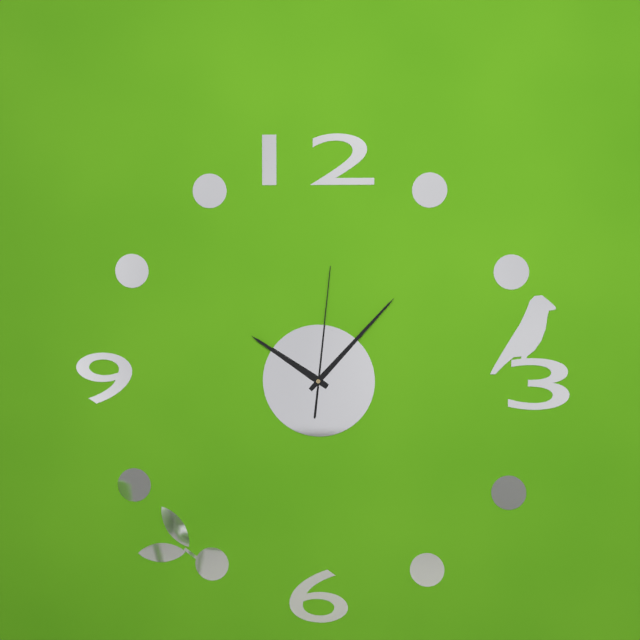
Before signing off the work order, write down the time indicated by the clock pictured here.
10:07:01
